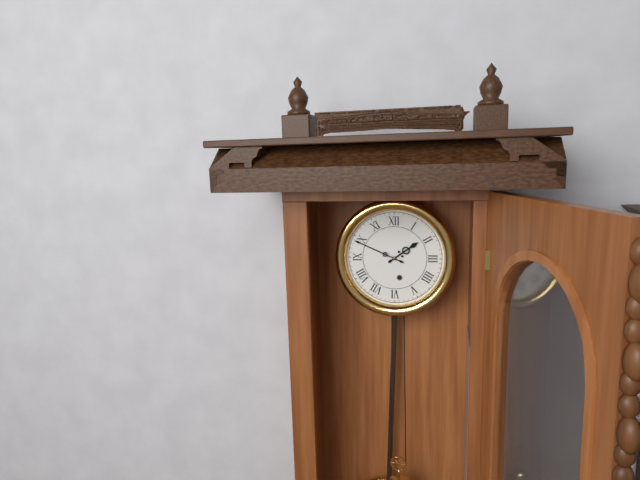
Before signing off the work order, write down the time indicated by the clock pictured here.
1:49
